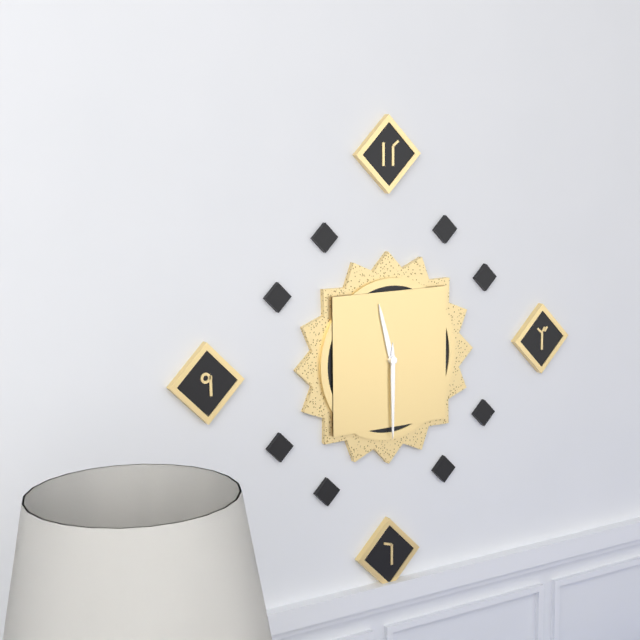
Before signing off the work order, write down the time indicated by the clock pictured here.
11:30
